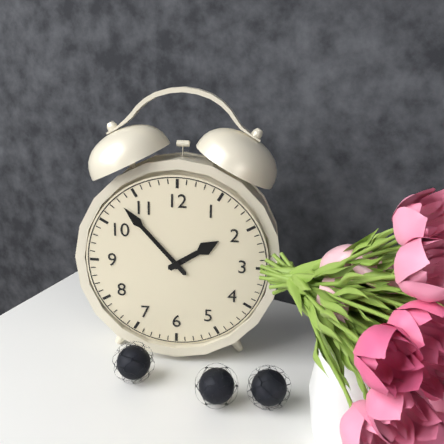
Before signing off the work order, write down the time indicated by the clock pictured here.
1:53
